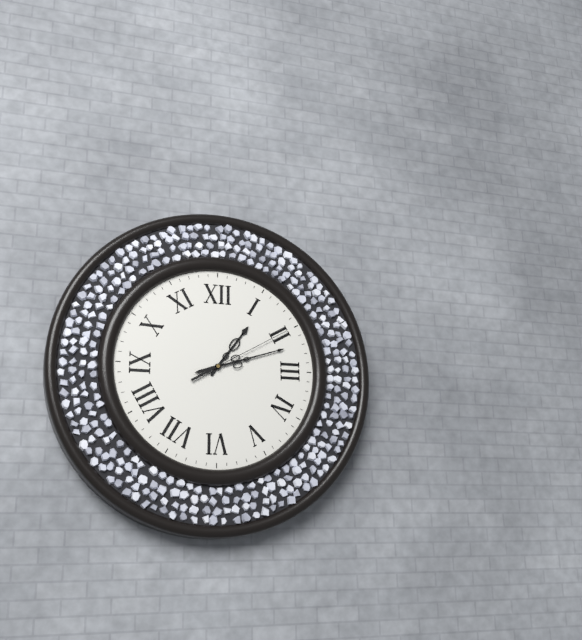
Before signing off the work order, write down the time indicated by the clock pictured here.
1:12:10
